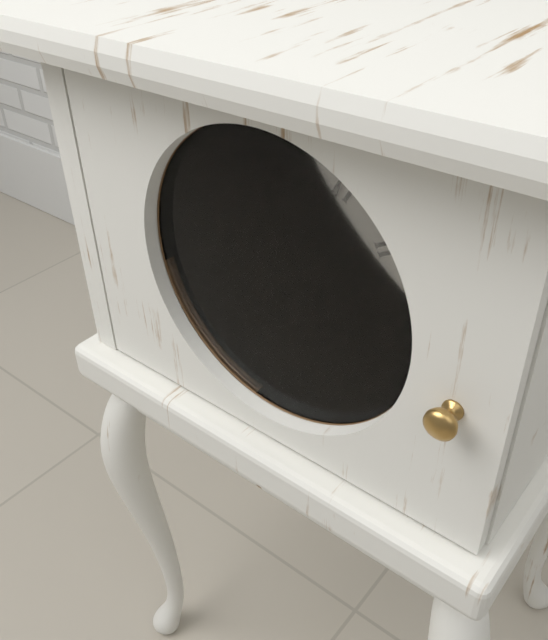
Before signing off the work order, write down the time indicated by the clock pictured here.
9:04:21
